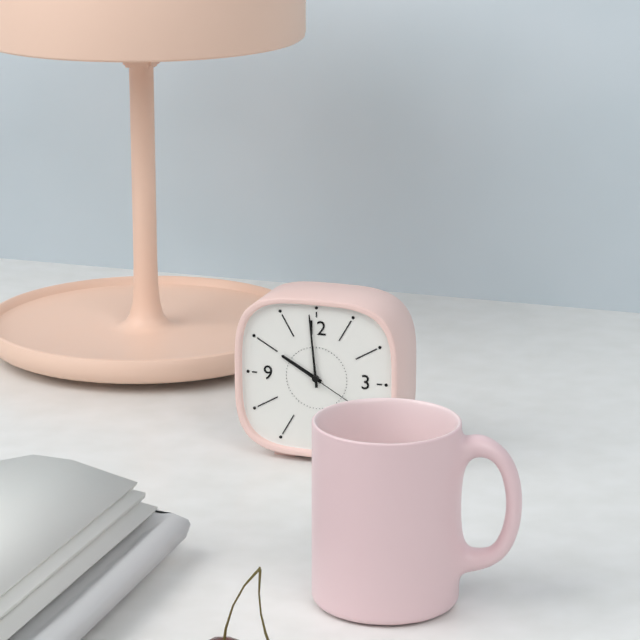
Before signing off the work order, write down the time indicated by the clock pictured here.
9:59
